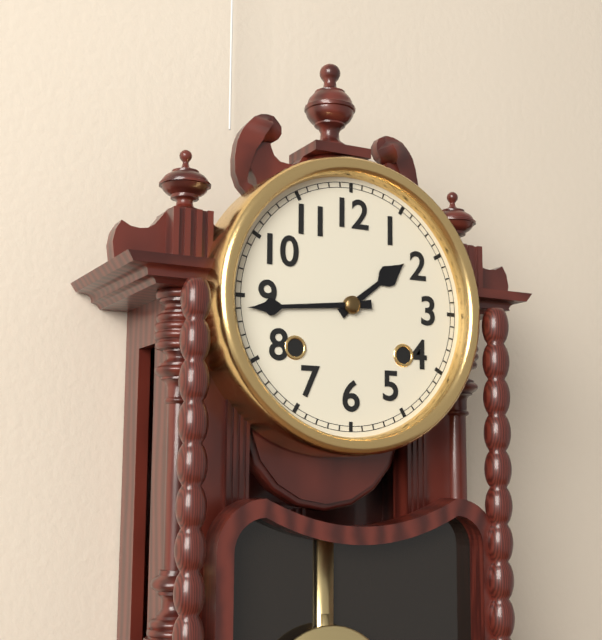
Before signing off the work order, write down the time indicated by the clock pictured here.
1:44
